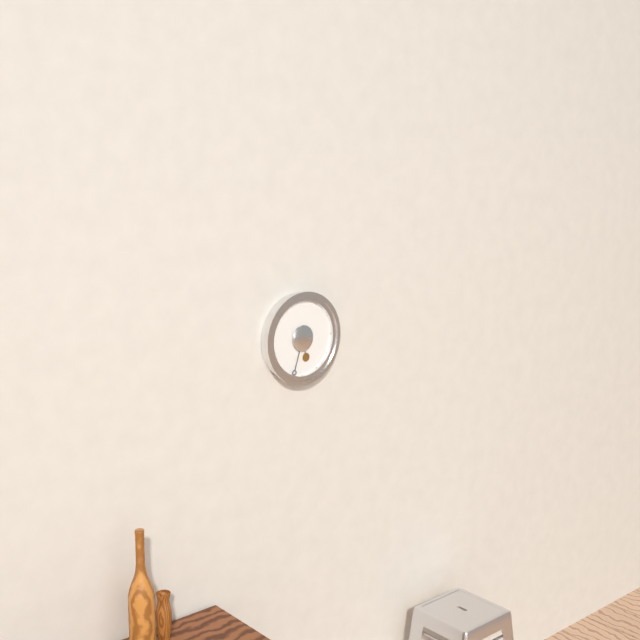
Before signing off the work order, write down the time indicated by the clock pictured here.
5:33
